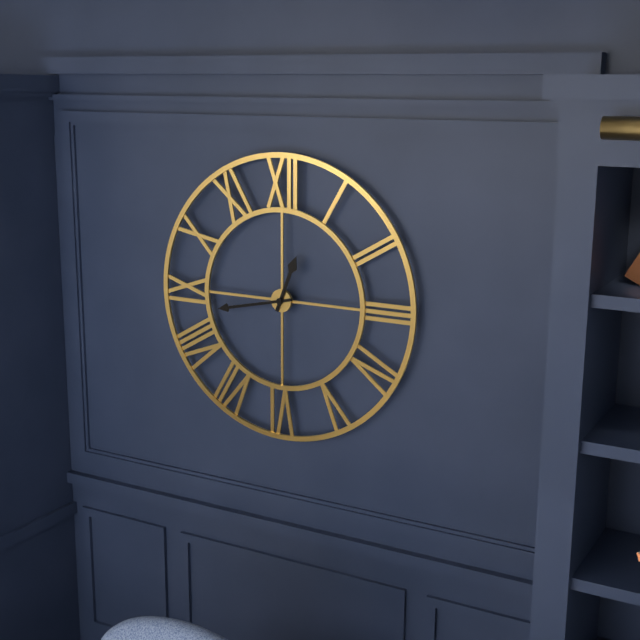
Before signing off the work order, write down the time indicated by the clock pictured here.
12:43
